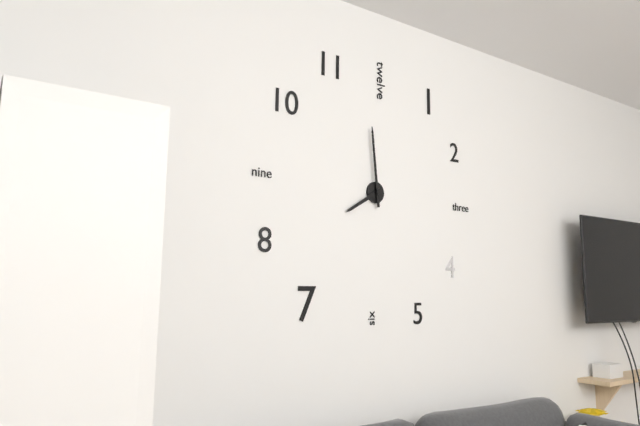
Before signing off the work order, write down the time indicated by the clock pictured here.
7:59
